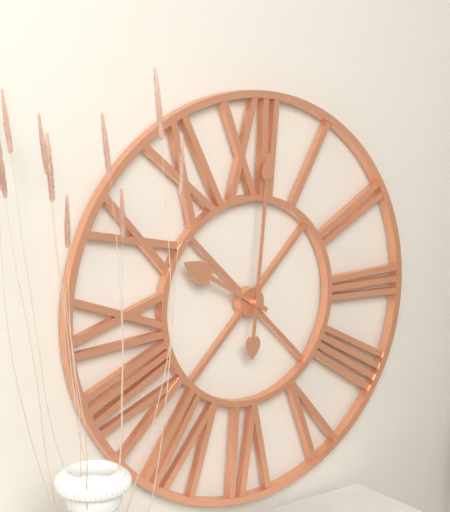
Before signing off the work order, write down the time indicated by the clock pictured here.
10:01
